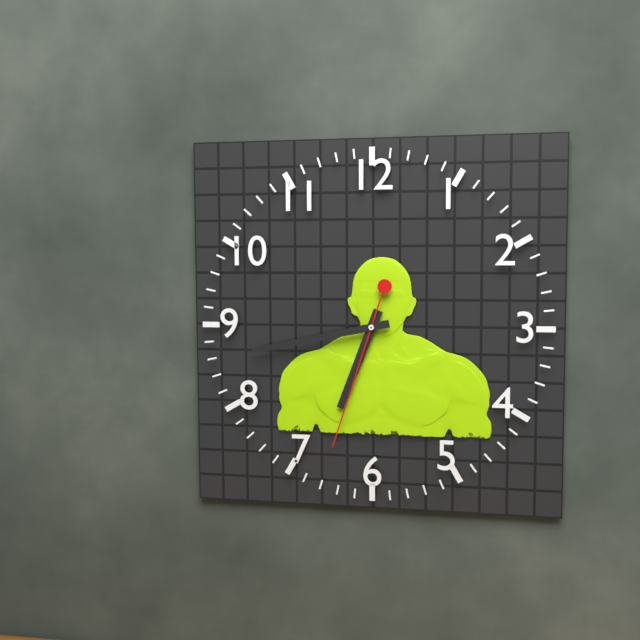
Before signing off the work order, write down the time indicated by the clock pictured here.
6:43:33
